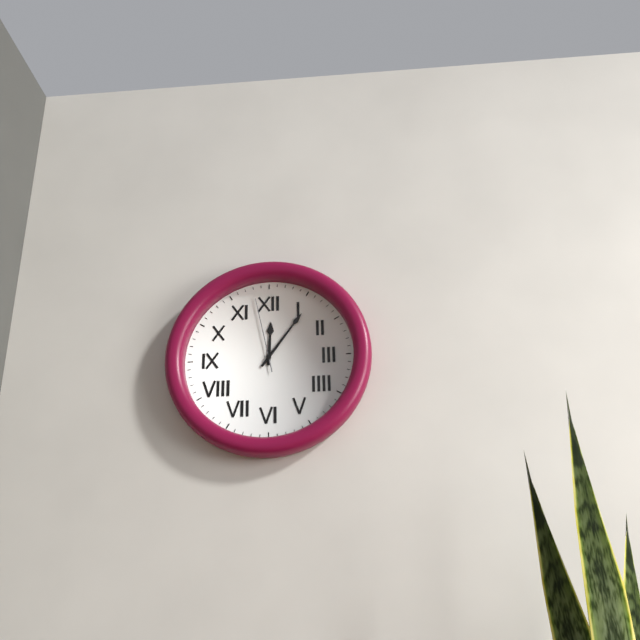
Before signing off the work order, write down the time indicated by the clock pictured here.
12:06:58
